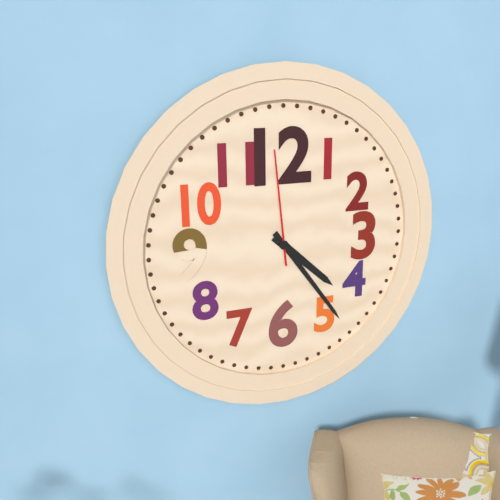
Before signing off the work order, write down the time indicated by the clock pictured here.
4:24:59
